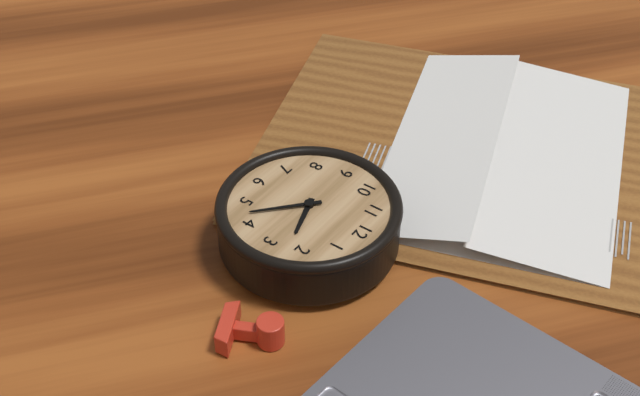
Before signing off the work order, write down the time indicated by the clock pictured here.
2:22
